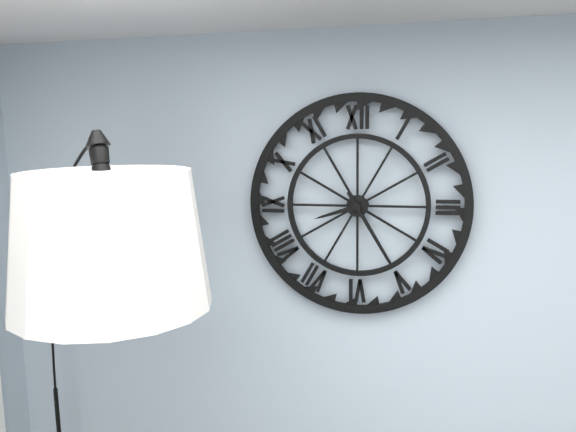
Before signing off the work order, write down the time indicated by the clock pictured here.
8:25
